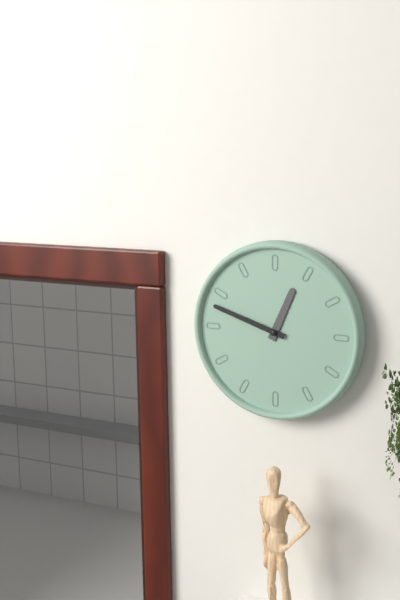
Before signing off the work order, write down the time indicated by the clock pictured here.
12:48
